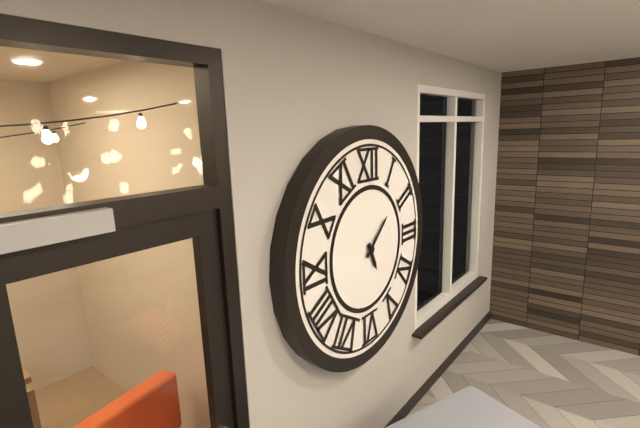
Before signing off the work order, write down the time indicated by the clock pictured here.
5:08
